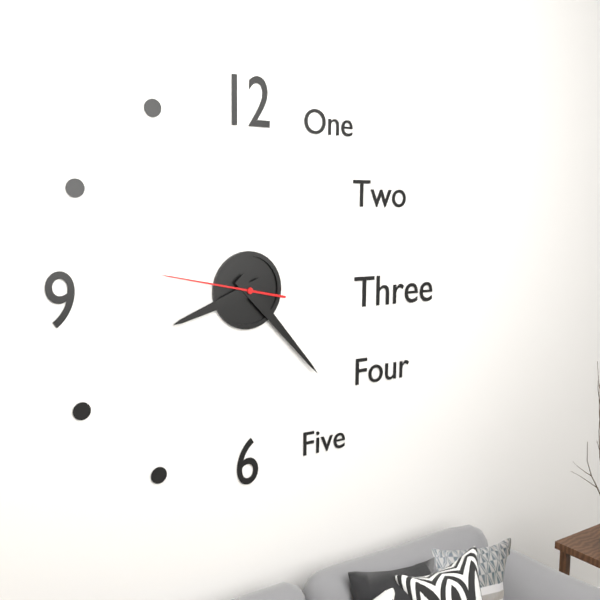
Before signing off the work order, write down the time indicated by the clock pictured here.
8:23:47
